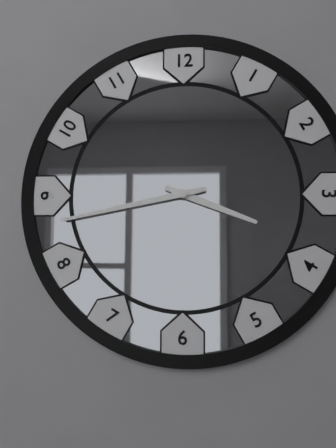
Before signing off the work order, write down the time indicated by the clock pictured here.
3:43
